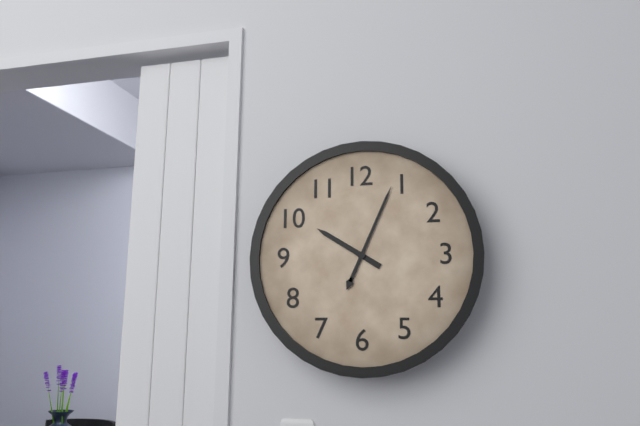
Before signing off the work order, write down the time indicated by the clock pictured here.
10:04
